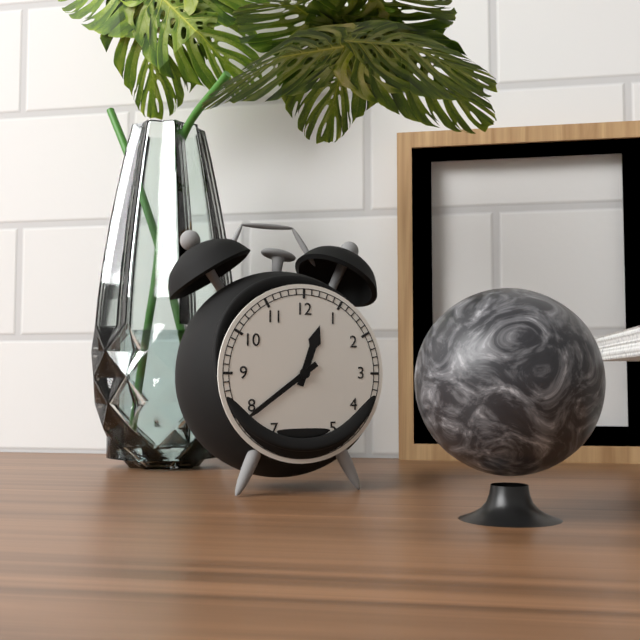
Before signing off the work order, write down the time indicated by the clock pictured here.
12:39
